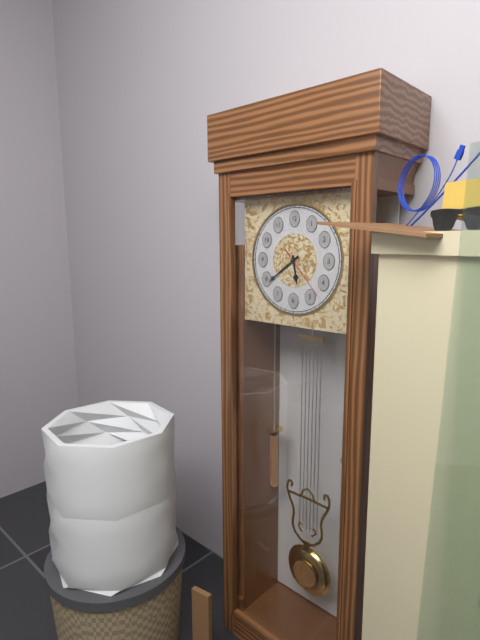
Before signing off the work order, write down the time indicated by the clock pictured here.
5:39:23
